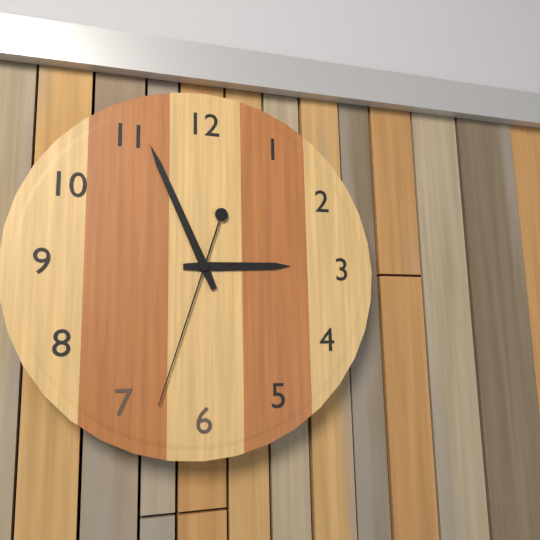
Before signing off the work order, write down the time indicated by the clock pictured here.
2:56:33
